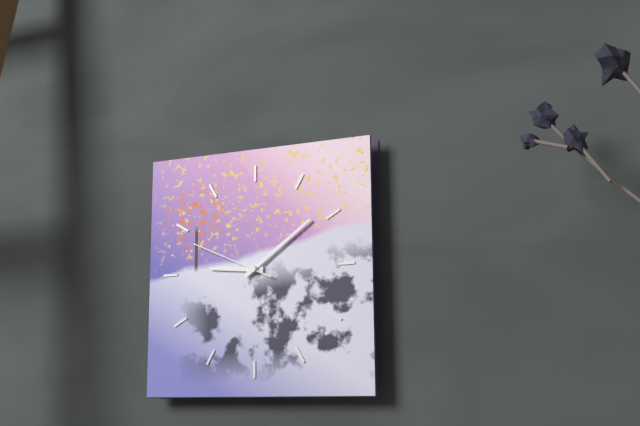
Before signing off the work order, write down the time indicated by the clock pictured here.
9:09:49
